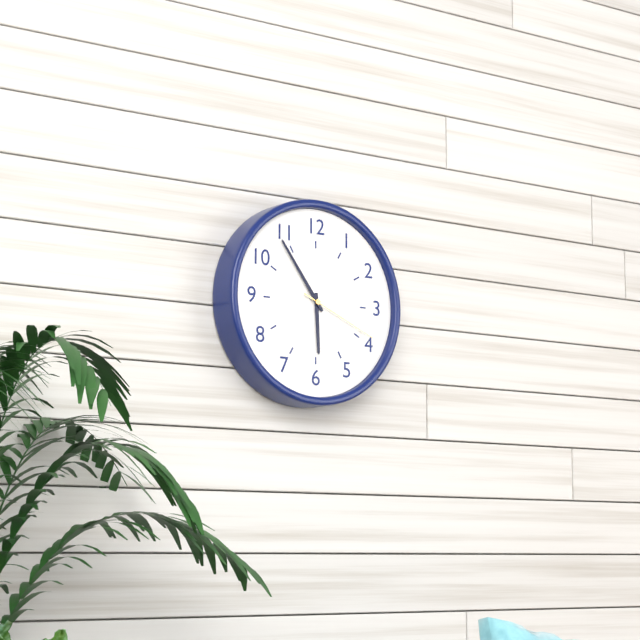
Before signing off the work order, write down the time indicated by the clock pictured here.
5:54:19
